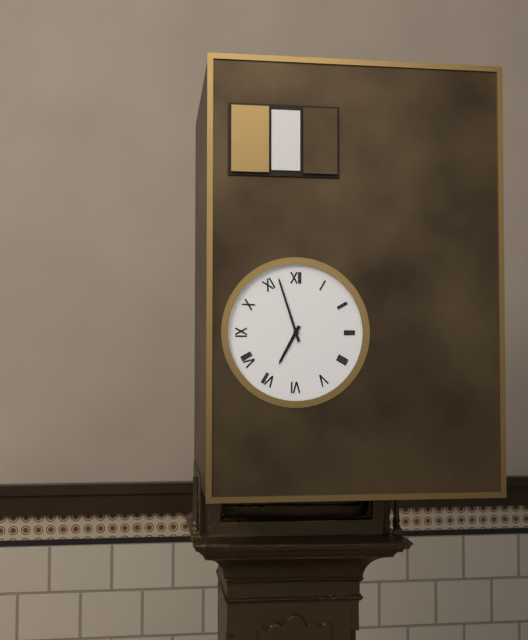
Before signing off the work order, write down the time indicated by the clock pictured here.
6:57
